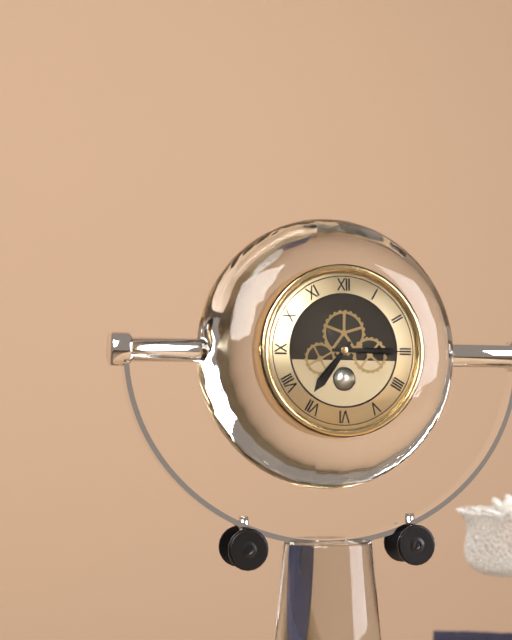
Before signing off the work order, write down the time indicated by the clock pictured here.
7:15
